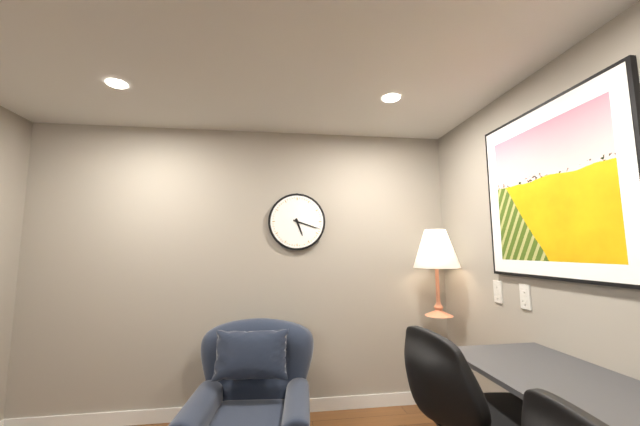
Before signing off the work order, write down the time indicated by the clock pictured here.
5:18
